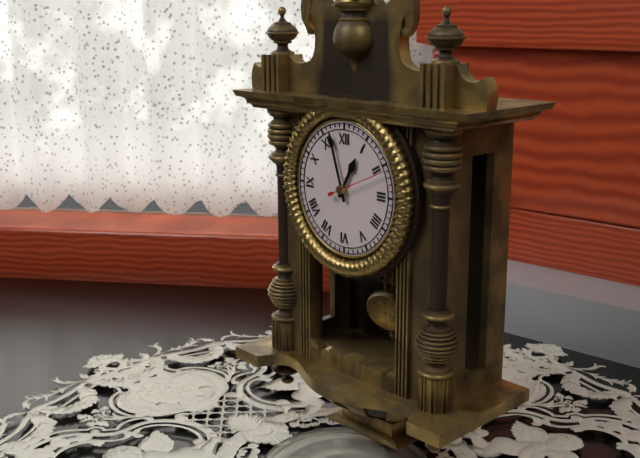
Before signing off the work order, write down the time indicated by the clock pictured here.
12:57:11
